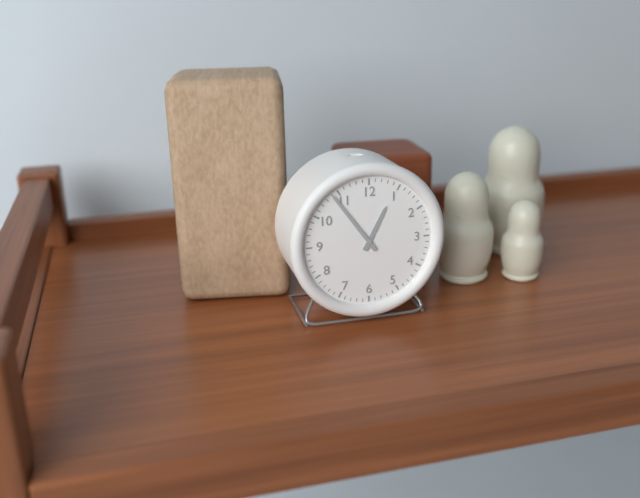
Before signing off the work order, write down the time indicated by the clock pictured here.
12:54
